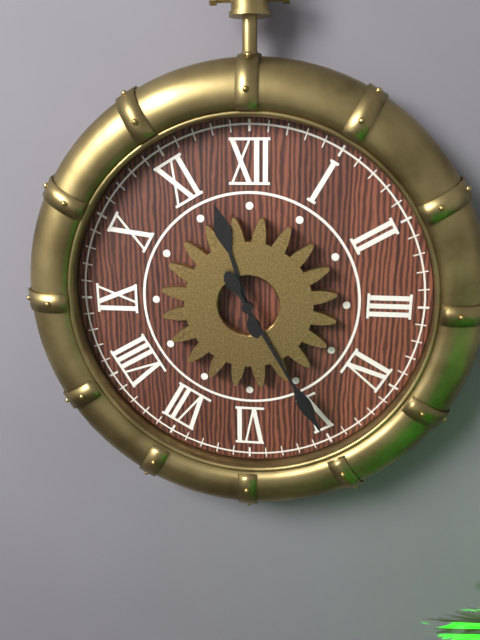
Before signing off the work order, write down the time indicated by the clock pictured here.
11:25
